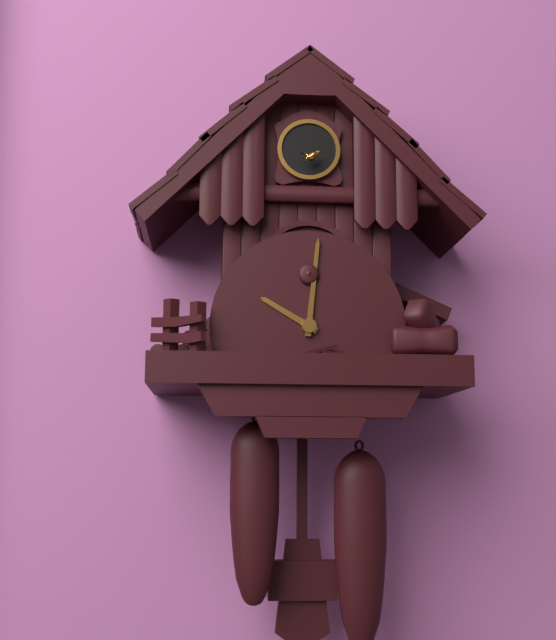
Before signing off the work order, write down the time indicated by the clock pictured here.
10:01
